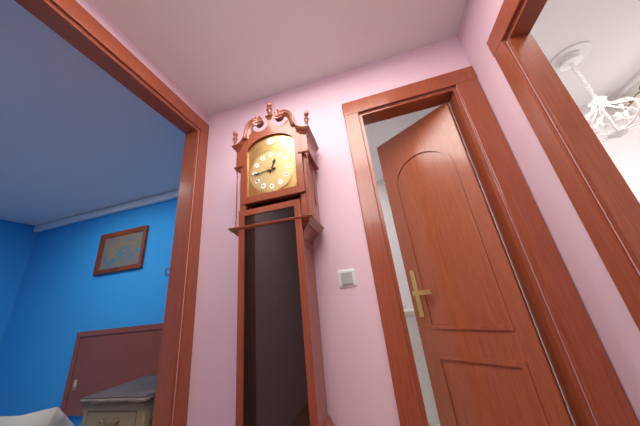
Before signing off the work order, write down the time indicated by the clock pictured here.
12:44
